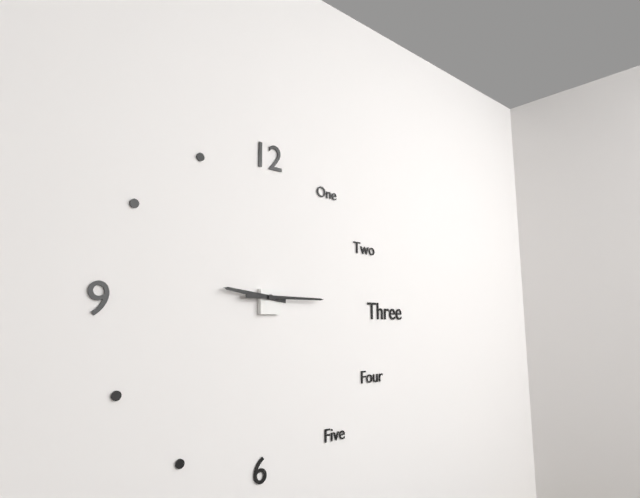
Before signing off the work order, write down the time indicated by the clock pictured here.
9:15
